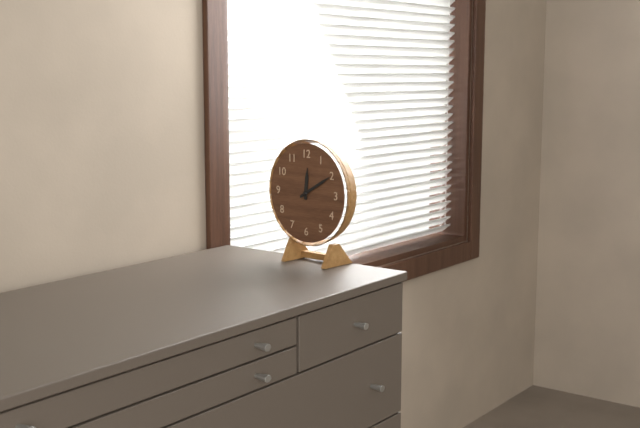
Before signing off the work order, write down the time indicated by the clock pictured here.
12:10
